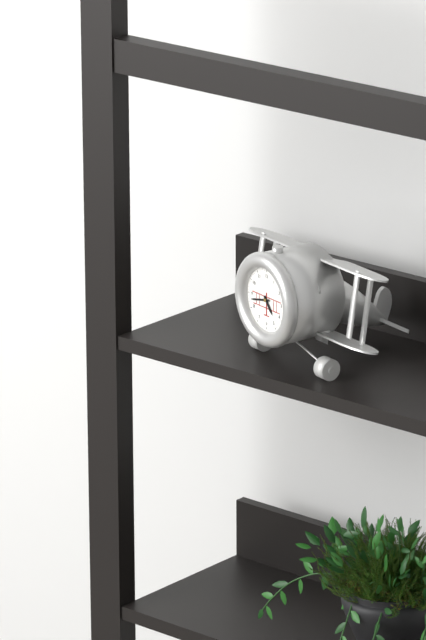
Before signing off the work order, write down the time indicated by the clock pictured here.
4:43
